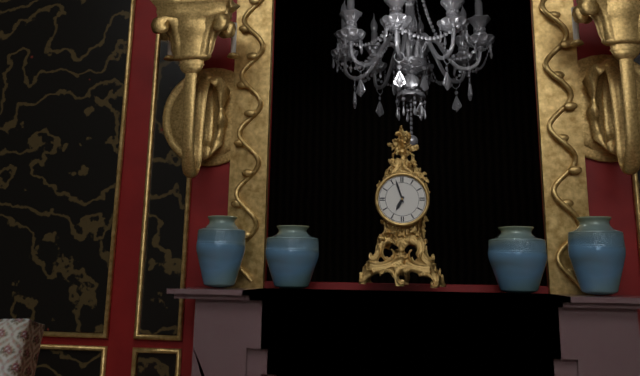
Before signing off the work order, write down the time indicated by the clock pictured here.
6:57
